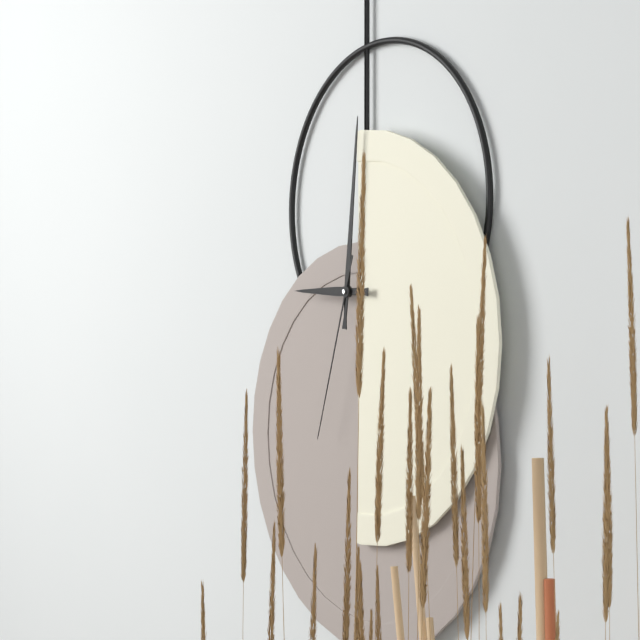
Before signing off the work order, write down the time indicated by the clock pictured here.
9:01:33
